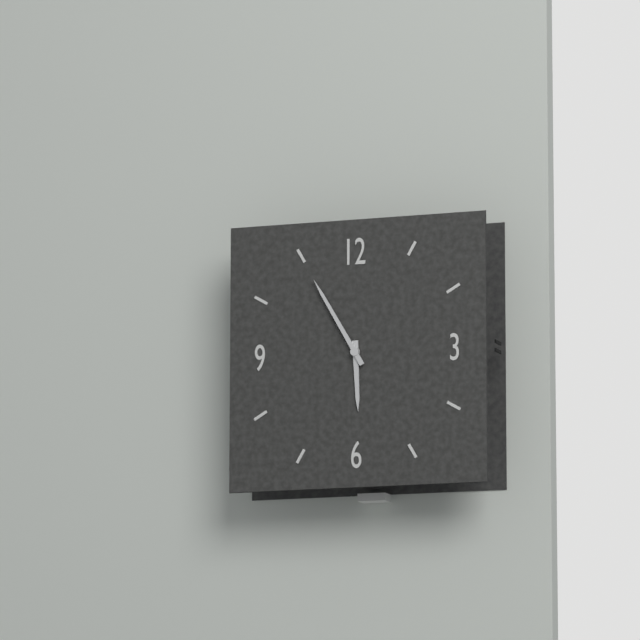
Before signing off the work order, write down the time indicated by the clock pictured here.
5:55
